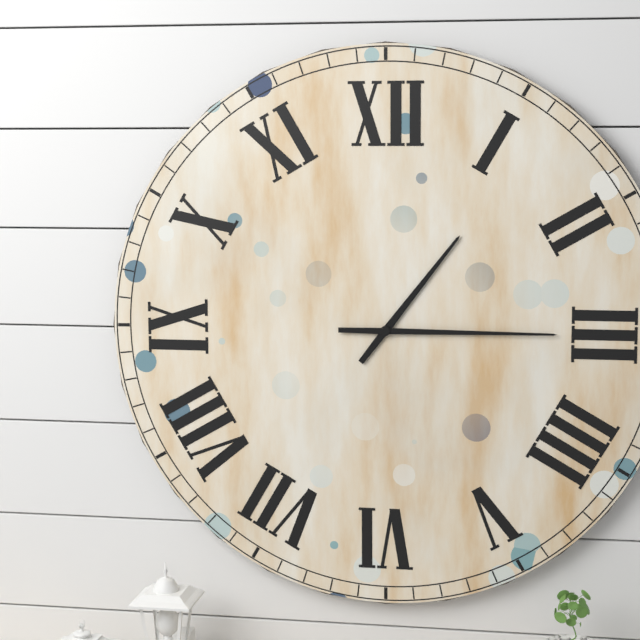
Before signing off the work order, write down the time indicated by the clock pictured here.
1:15
